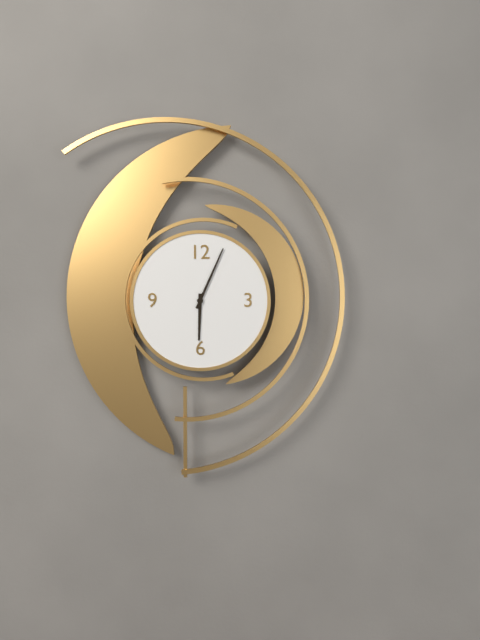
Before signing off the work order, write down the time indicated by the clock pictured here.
6:04
